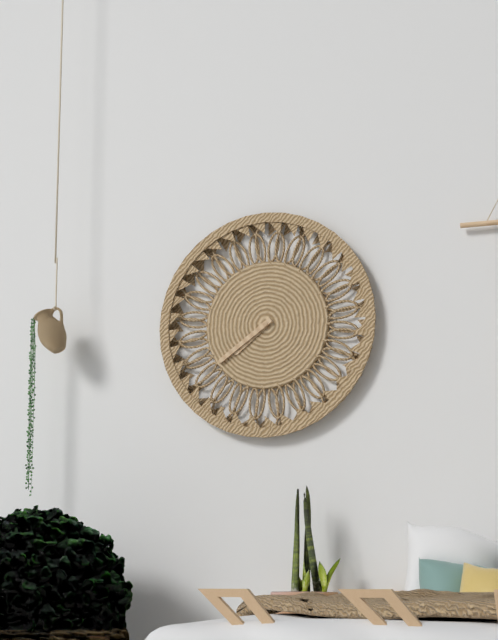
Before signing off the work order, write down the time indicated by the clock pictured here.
7:39
